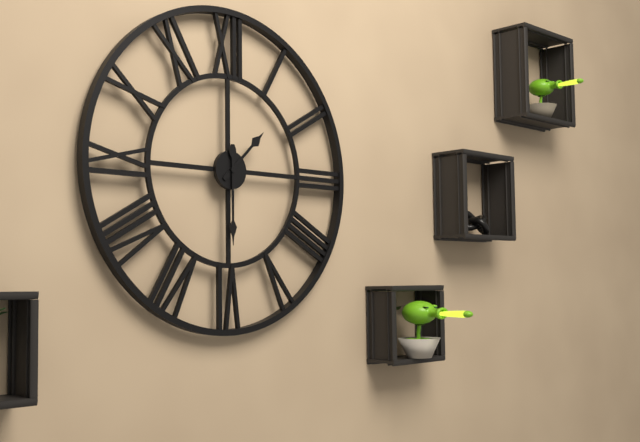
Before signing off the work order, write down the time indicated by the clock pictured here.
1:30
